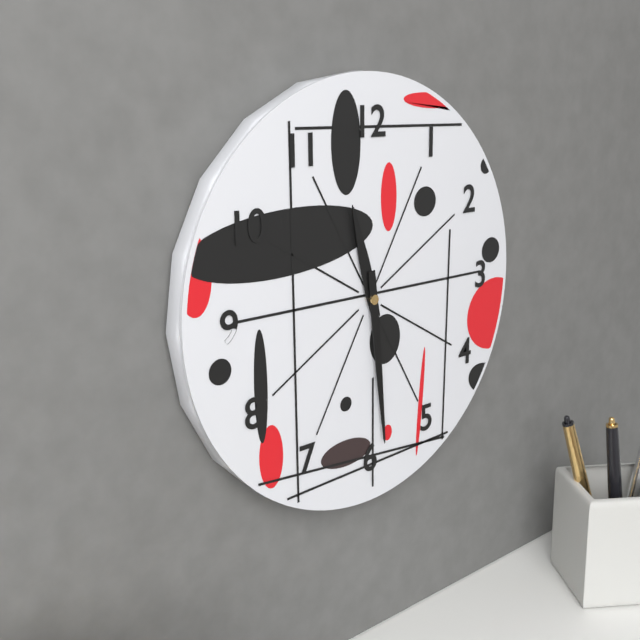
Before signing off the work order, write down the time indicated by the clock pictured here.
11:29
